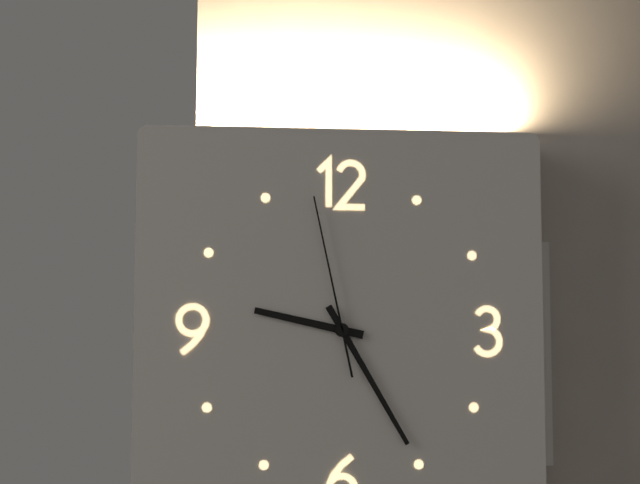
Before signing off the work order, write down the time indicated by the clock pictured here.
9:25:58
